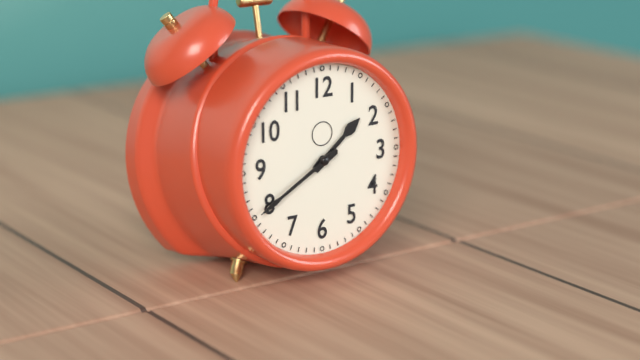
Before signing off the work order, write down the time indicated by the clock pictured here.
1:40
